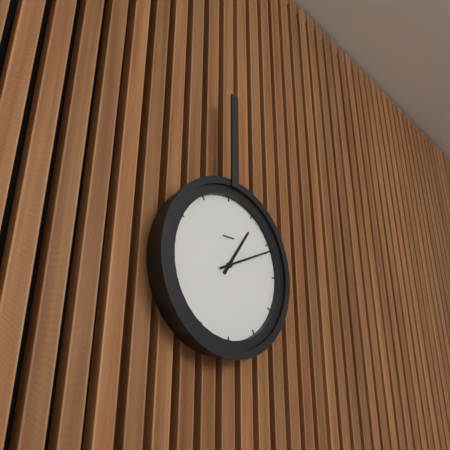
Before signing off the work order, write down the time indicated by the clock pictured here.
1:11
